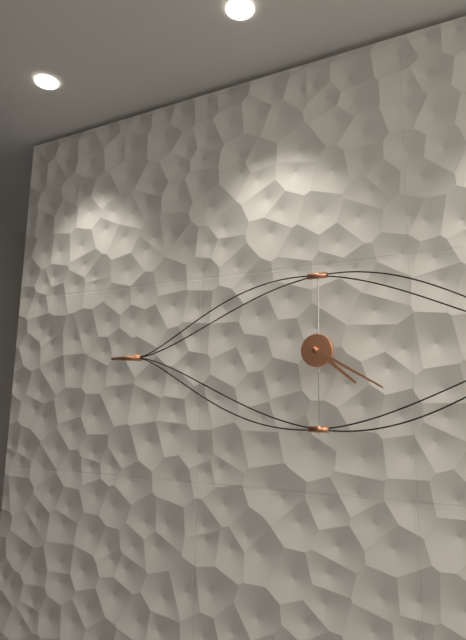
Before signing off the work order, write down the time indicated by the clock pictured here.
4:20
